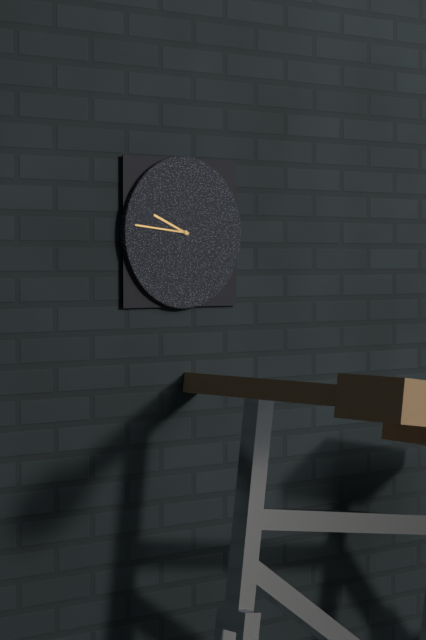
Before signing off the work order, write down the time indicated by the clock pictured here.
9:46
